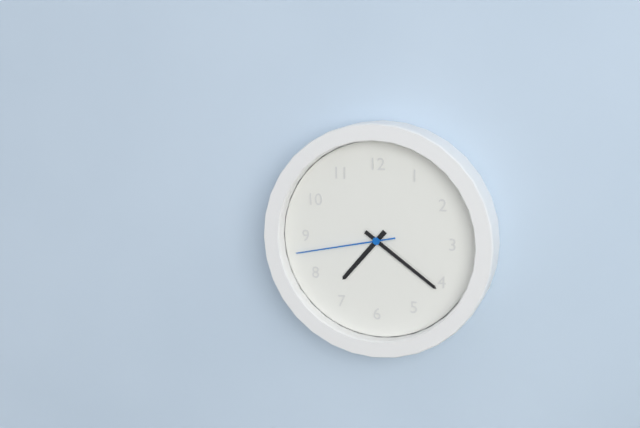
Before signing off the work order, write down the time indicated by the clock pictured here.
7:21:43
